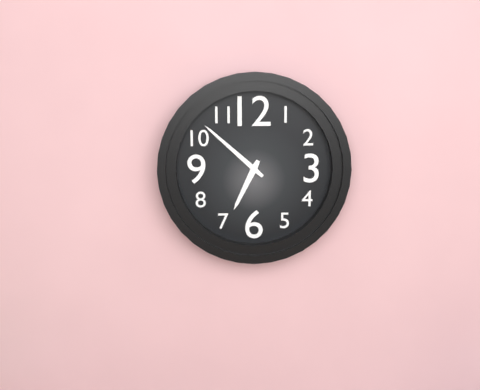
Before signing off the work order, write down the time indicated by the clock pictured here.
6:52
